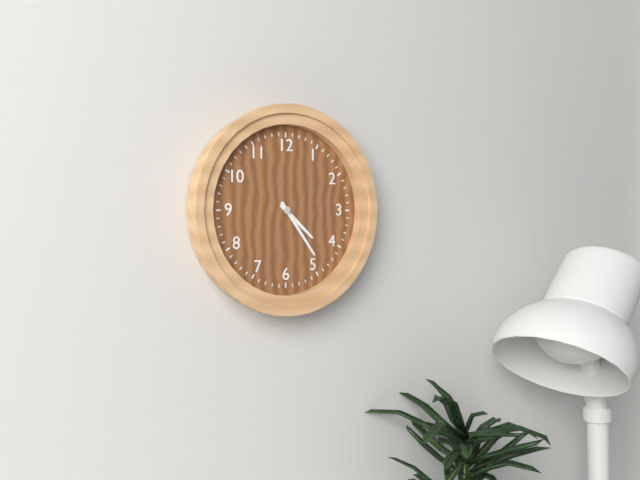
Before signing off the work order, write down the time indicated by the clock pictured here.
4:24
